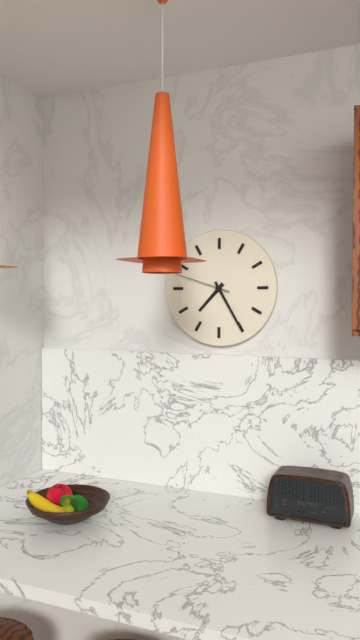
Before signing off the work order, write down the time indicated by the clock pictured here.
7:25:48
